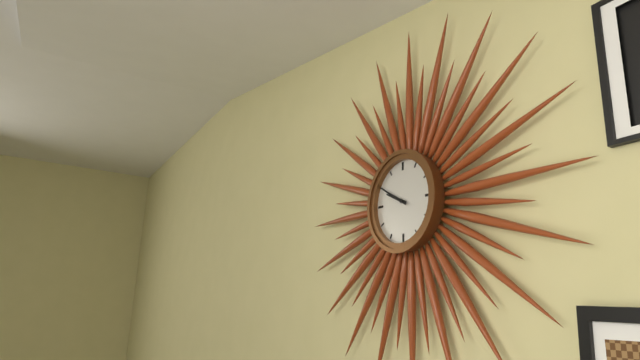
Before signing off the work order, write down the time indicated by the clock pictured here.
9:50
